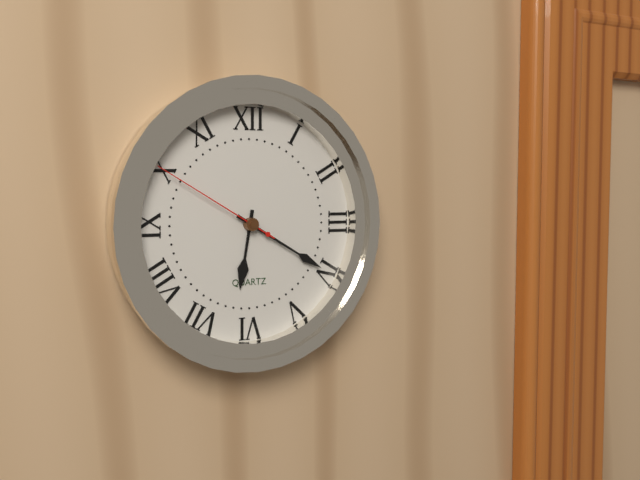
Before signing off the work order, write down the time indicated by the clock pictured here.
6:20:50
